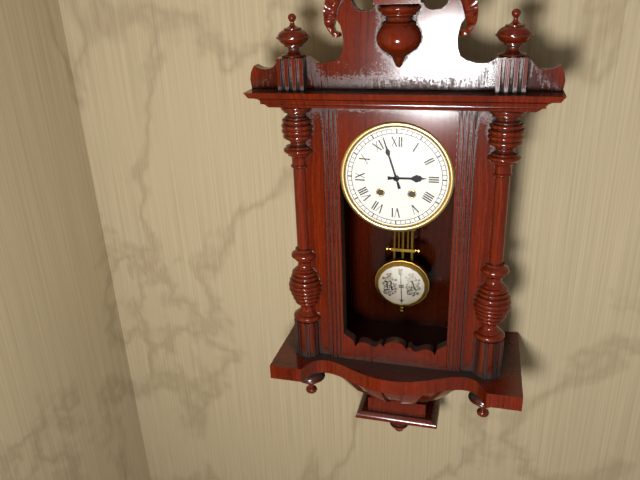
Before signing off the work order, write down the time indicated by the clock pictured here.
2:57
